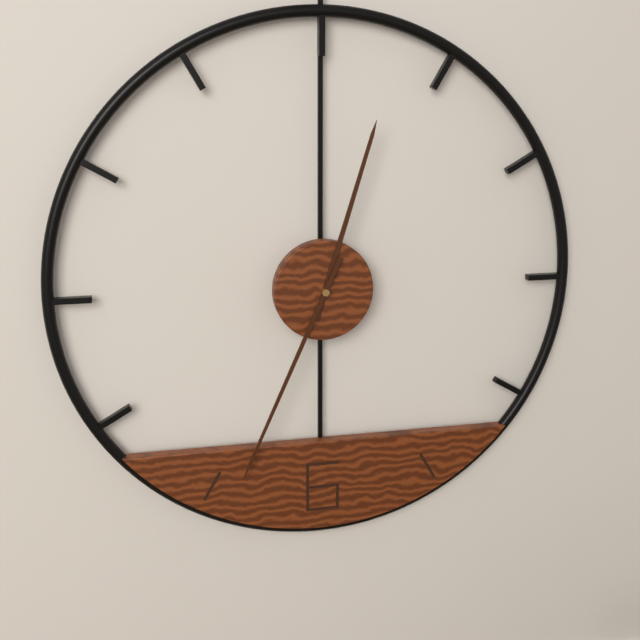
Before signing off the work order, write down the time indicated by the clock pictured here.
12:34
